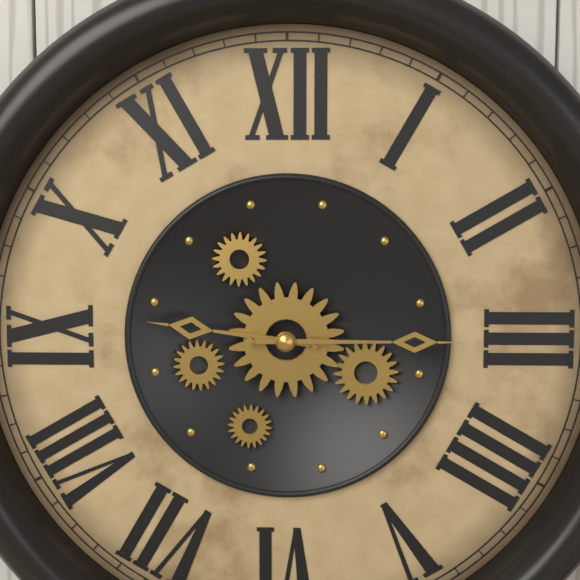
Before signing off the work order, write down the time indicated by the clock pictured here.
9:15
